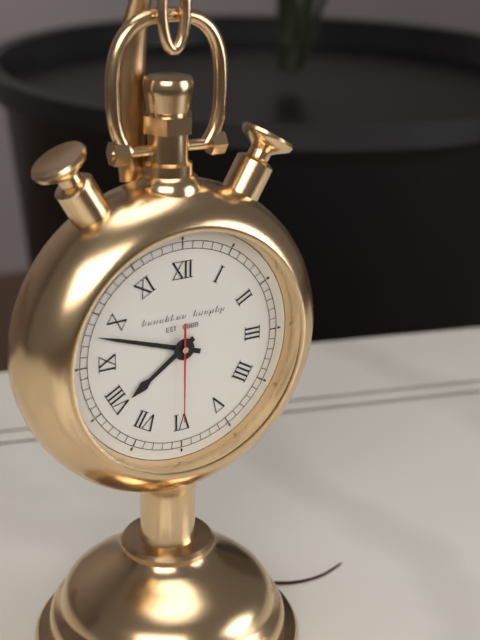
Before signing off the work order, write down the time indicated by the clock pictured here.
7:48:30
